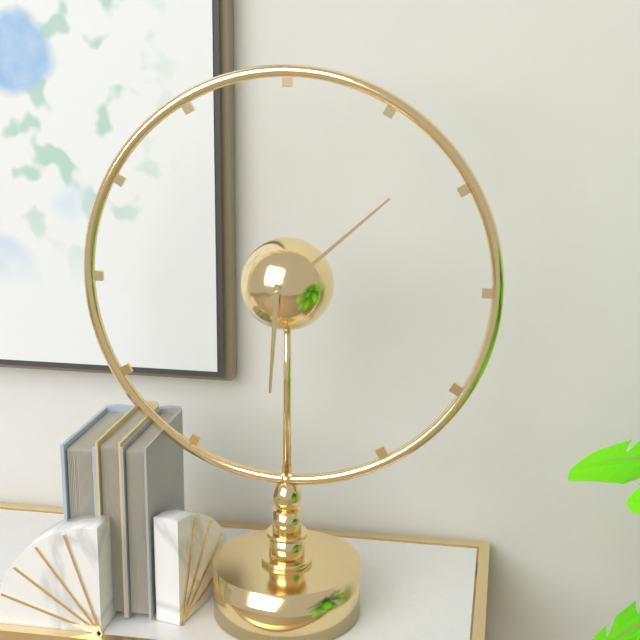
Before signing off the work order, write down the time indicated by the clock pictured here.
6:08
